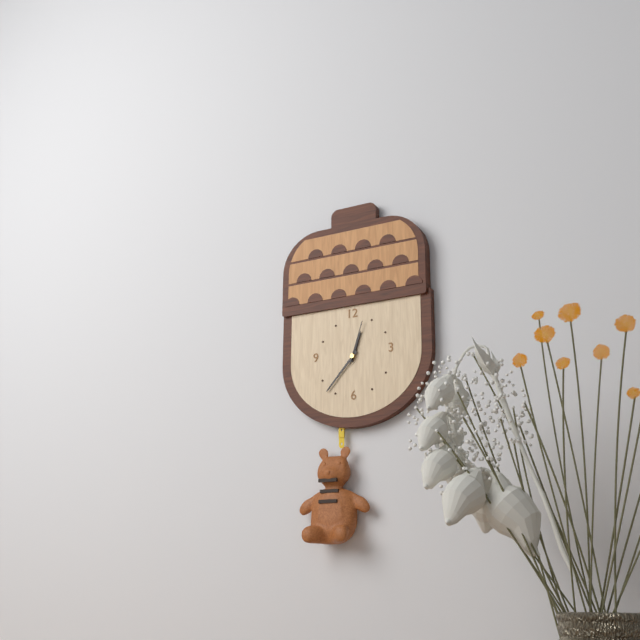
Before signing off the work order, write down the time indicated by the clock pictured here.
12:37
